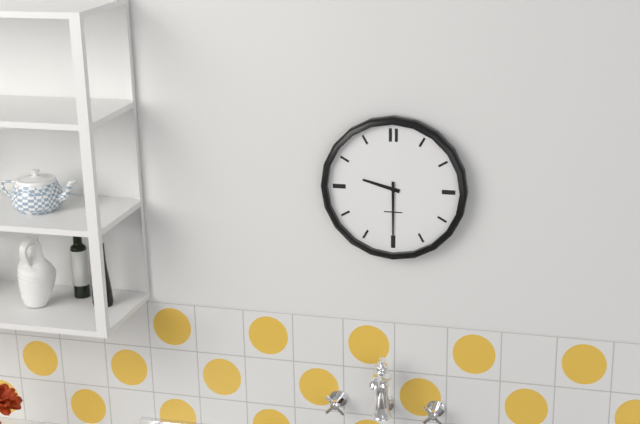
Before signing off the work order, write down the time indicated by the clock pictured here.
9:30
